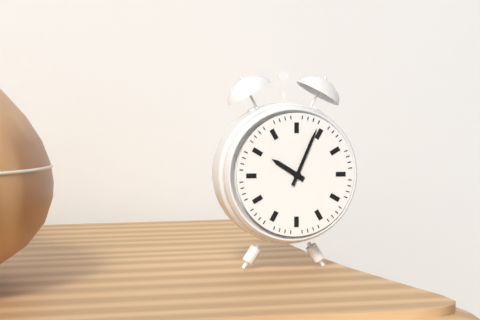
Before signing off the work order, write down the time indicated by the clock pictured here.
10:04
